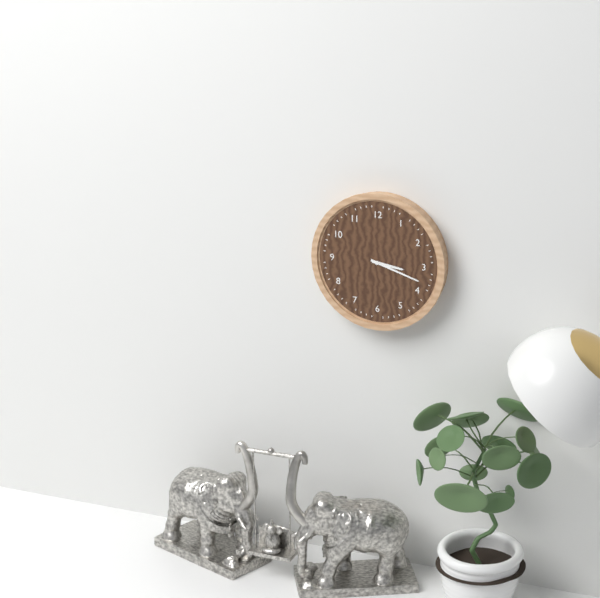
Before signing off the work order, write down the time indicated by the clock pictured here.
3:18
